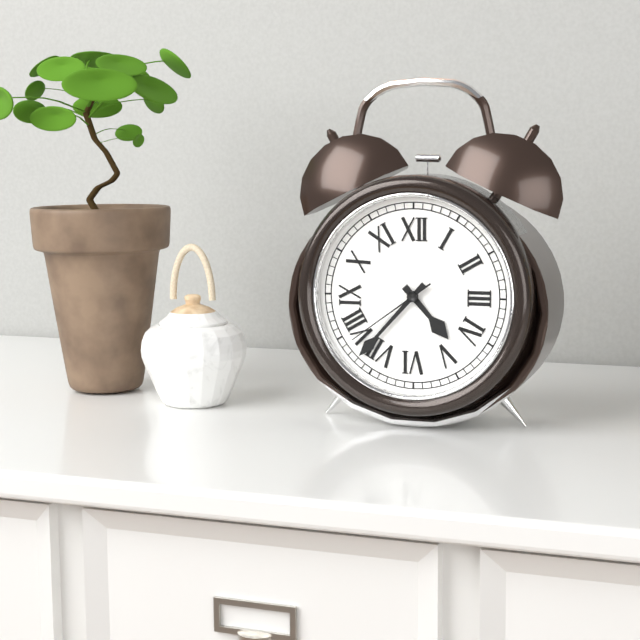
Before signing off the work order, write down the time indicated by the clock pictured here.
4:37:39
